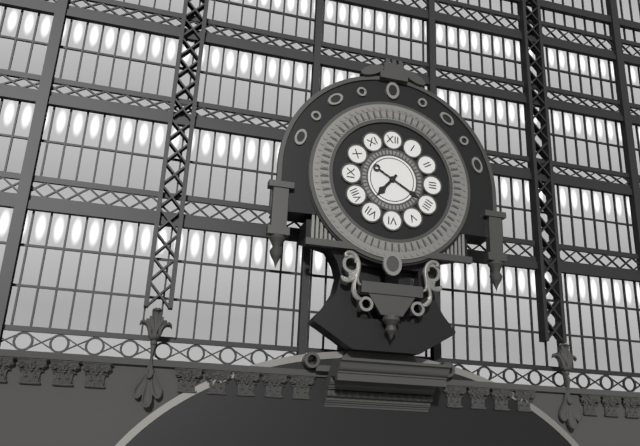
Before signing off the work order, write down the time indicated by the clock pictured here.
7:20
